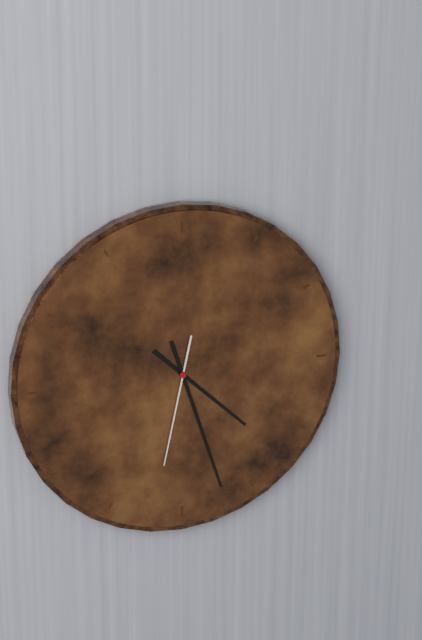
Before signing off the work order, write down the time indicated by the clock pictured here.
4:27:32
